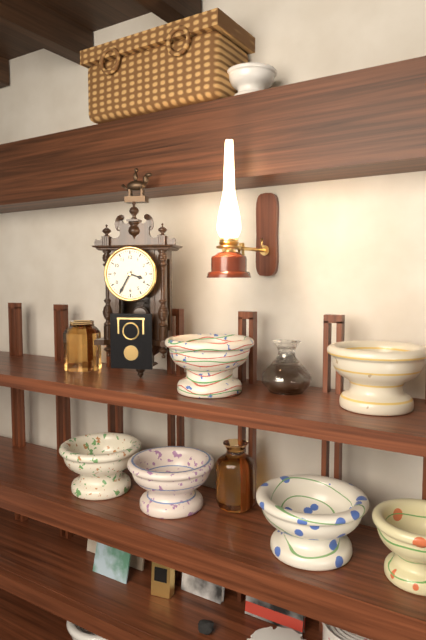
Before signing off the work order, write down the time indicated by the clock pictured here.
3:35
